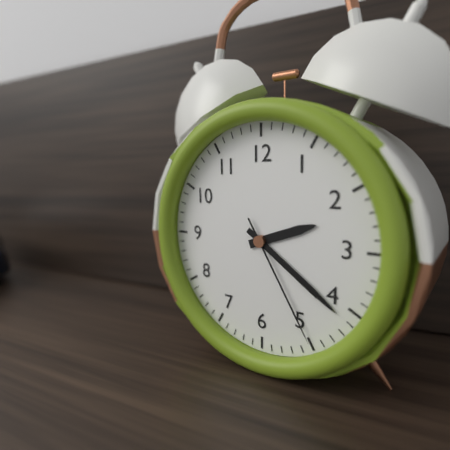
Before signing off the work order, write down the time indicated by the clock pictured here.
2:21:25
